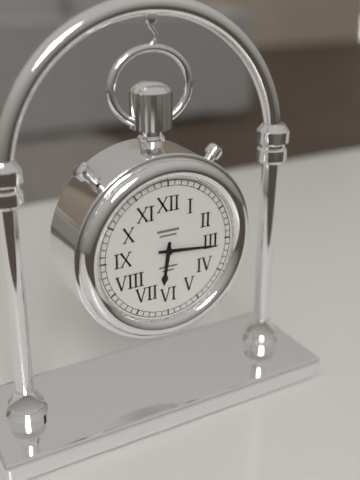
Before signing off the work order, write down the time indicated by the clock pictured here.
6:16
